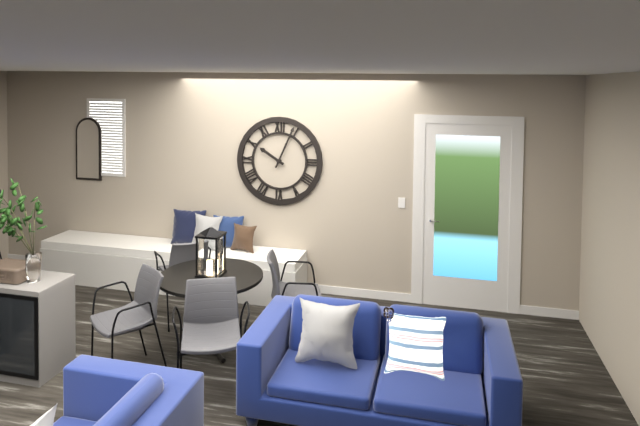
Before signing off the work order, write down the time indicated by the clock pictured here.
10:04
